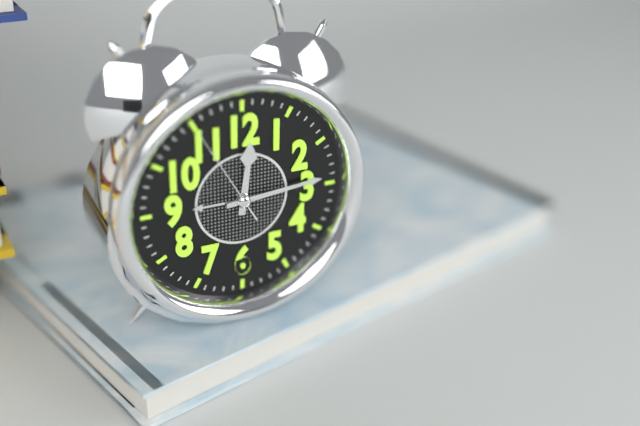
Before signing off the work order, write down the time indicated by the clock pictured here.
12:14:55
